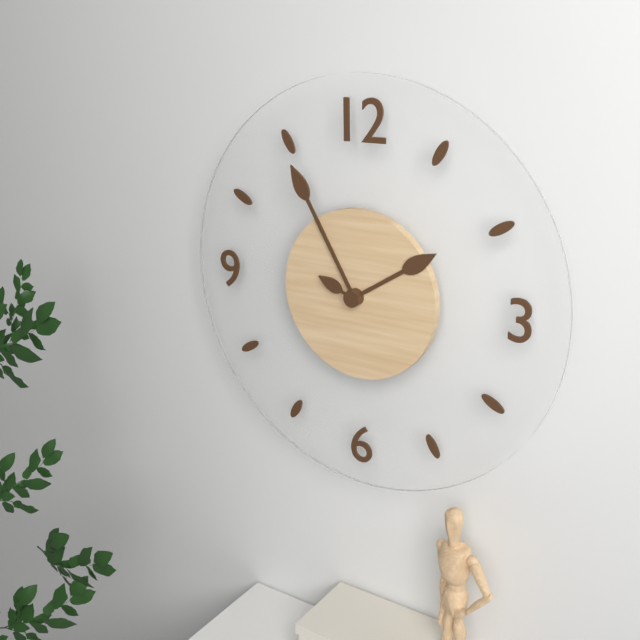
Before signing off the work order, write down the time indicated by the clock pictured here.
1:55:49
